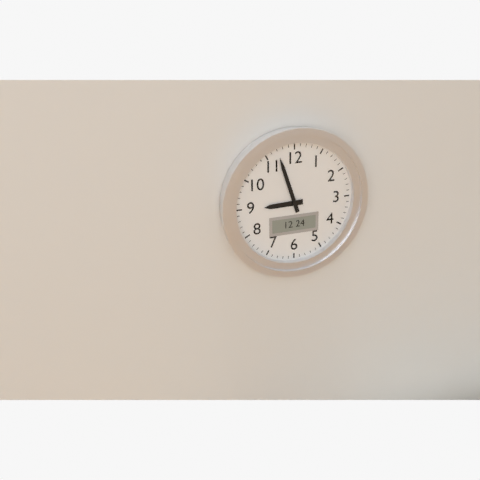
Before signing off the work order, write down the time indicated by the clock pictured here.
8:57
